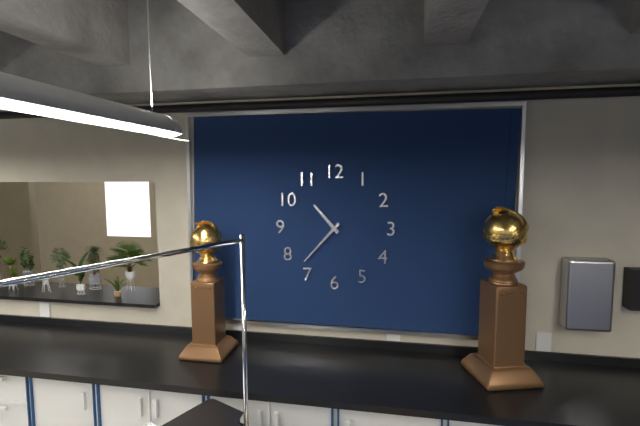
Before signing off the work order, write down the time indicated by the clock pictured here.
10:37
